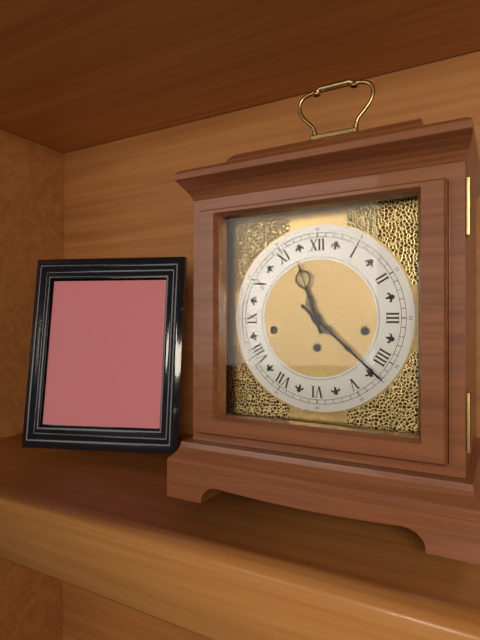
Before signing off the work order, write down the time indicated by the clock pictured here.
11:22
